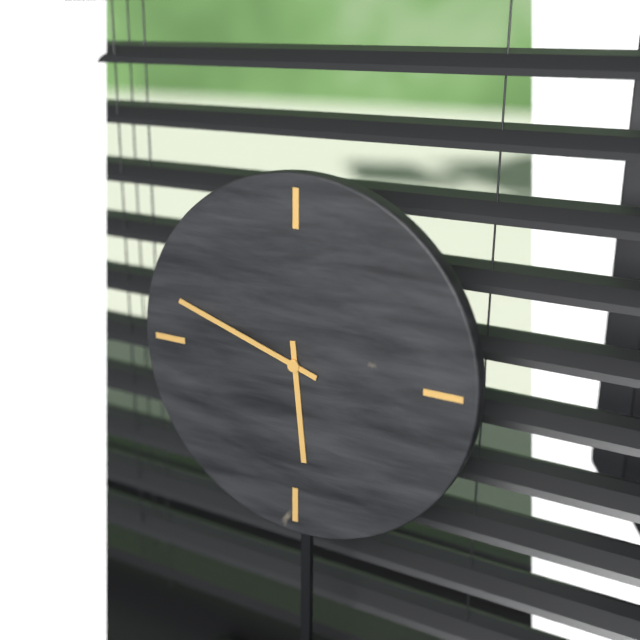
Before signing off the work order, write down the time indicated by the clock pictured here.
5:48
